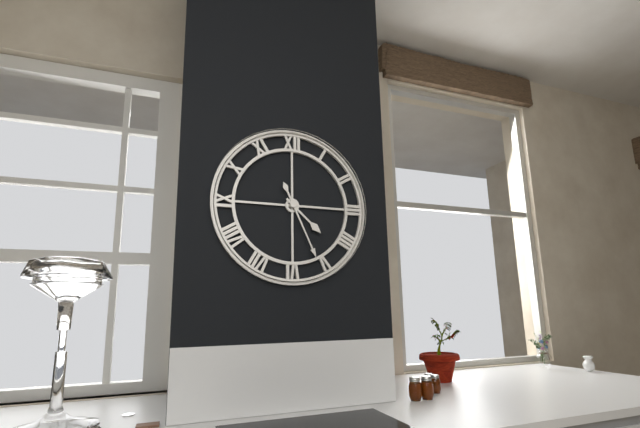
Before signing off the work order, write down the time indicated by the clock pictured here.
4:26
